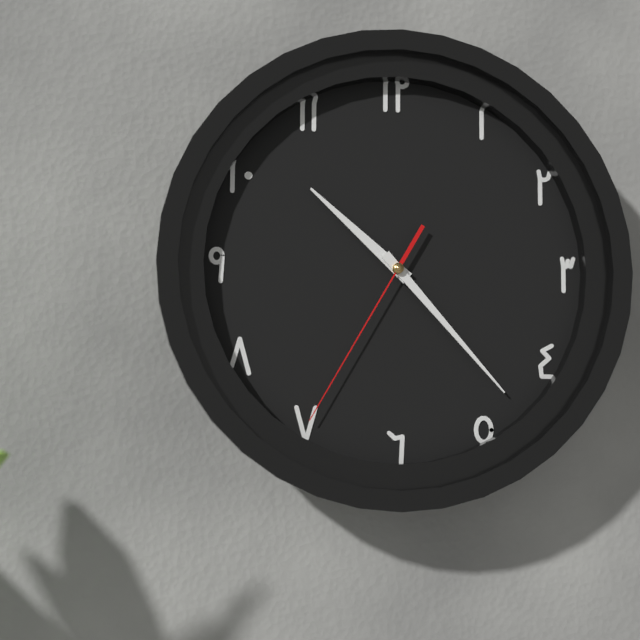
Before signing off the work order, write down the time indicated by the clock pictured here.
10:23:35
